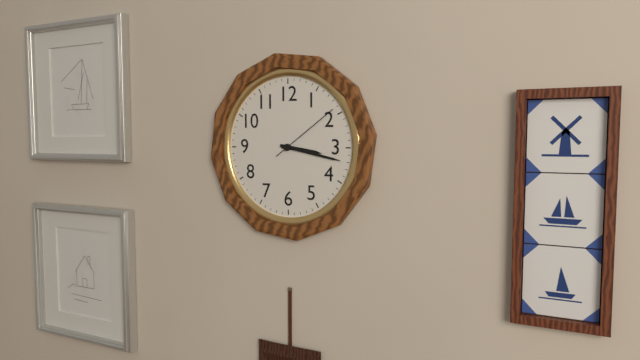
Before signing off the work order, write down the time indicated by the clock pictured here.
3:17:09
